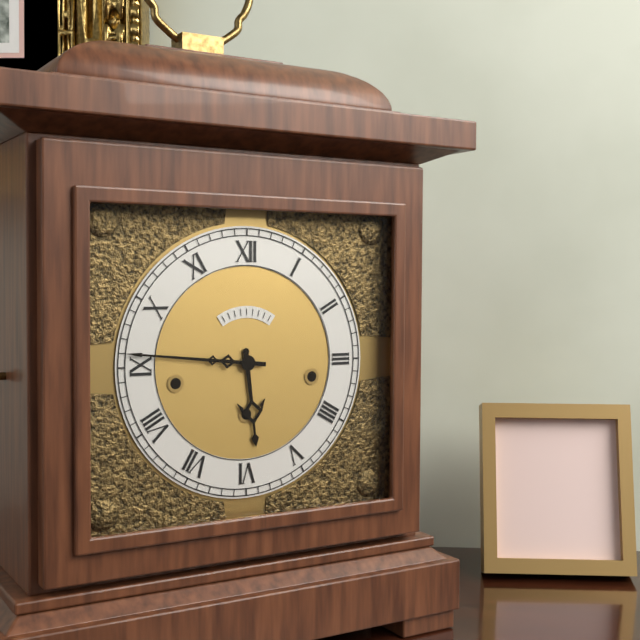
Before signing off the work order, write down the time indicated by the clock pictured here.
5:46
